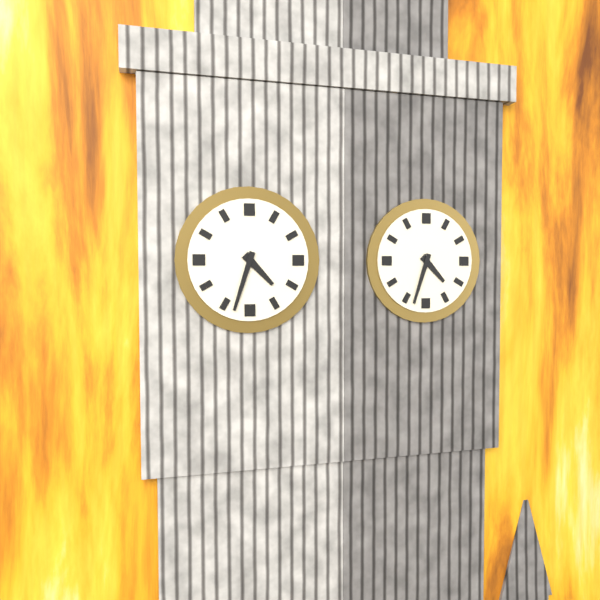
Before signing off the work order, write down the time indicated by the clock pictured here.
4:33
